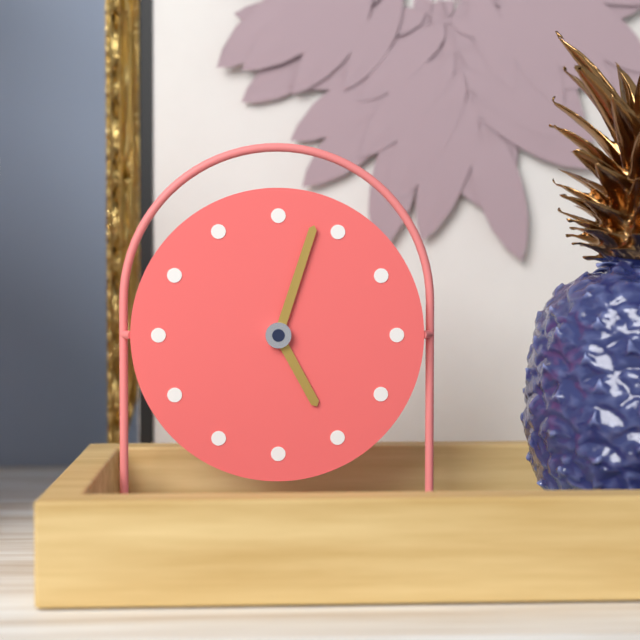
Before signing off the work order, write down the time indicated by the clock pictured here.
5:03
